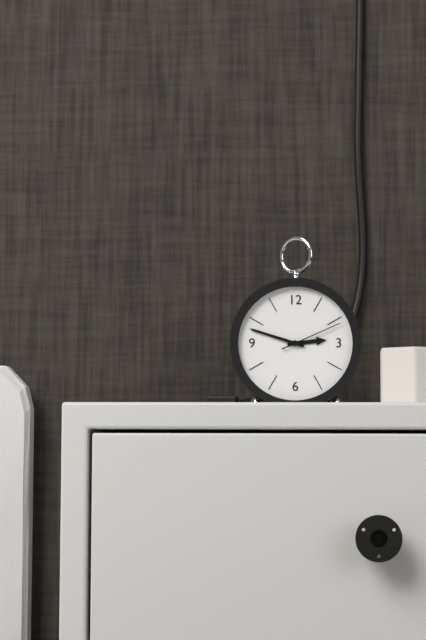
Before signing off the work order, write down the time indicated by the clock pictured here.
2:48:11
